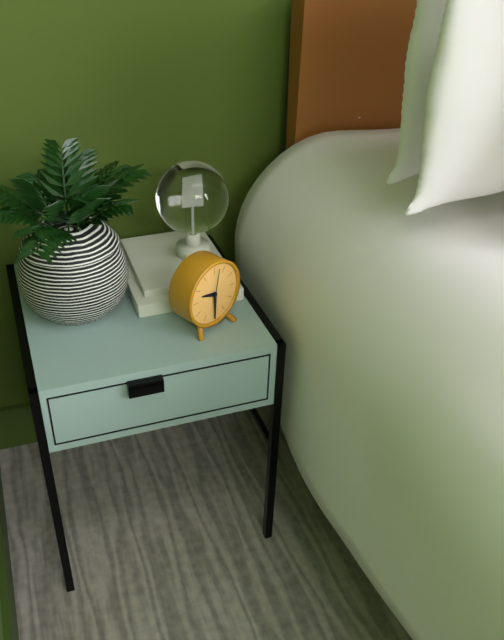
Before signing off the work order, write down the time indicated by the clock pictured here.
9:30
